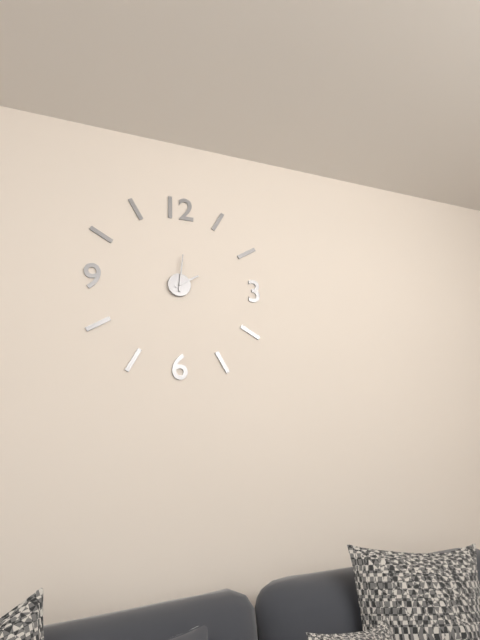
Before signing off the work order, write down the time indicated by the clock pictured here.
2:01
